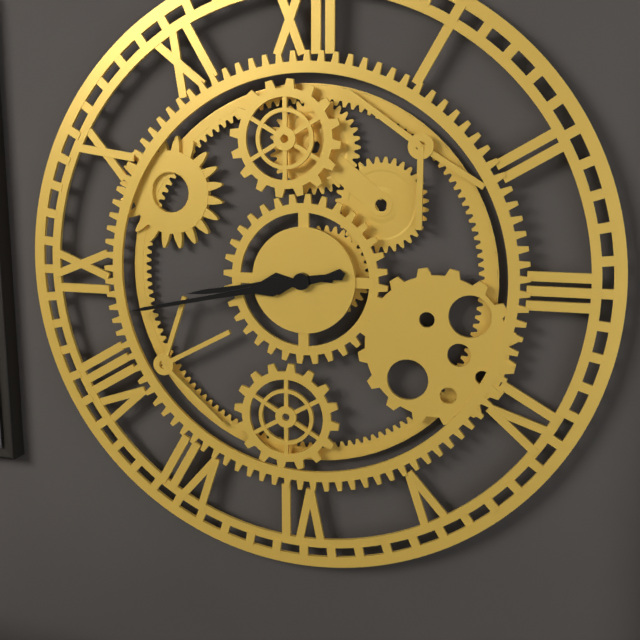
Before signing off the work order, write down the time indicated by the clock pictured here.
8:43
